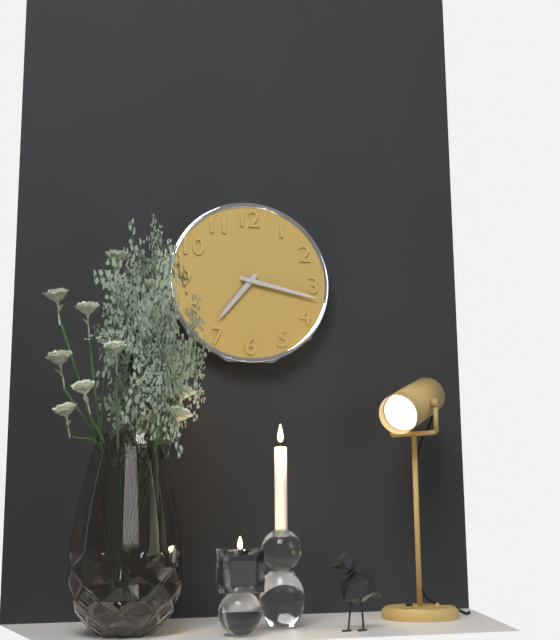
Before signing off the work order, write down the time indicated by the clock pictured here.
7:17
